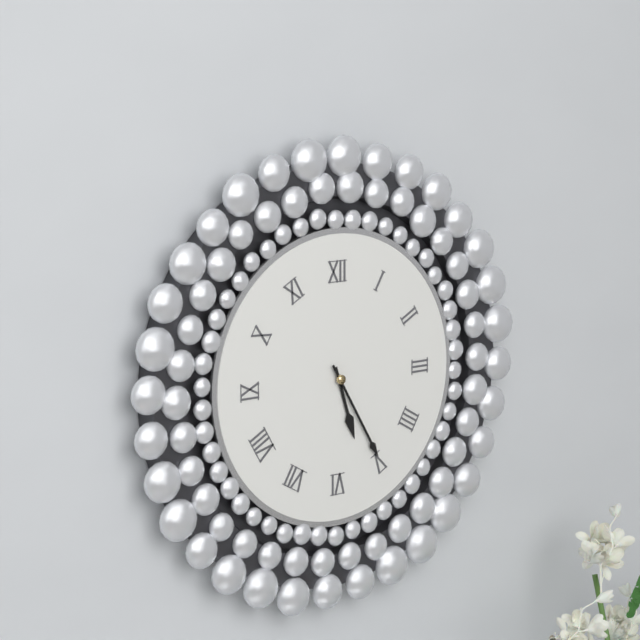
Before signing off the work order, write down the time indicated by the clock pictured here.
5:25
